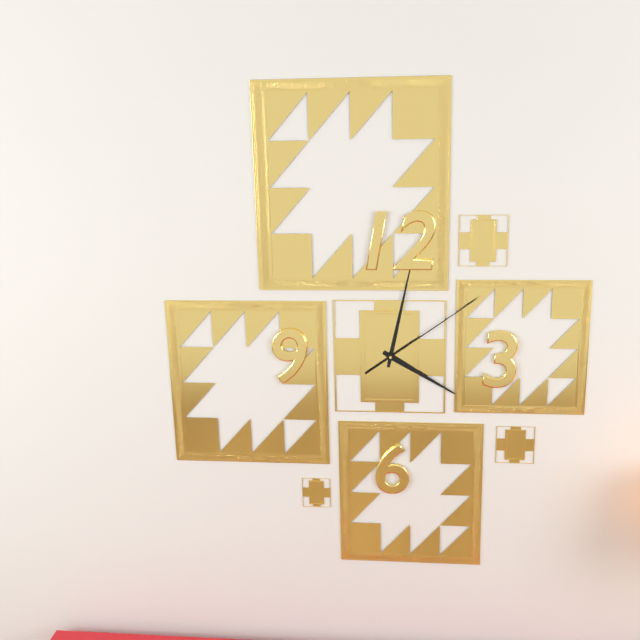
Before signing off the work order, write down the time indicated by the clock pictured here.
4:02:09
